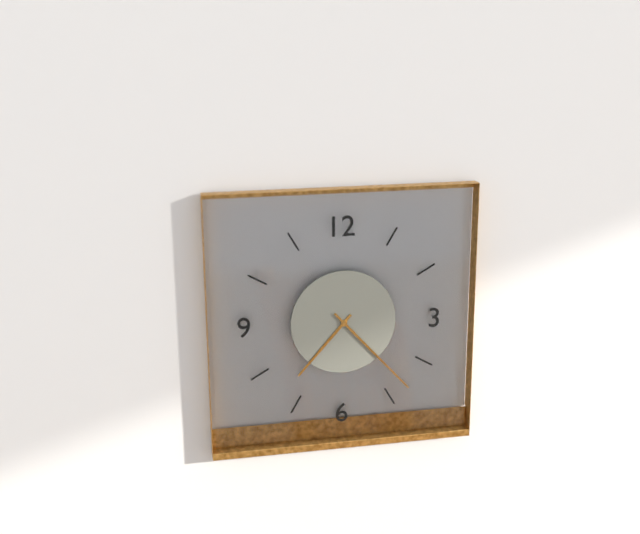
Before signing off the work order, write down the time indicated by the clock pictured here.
7:23
